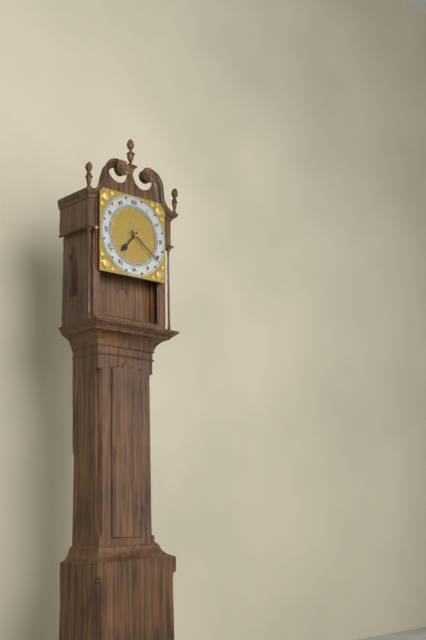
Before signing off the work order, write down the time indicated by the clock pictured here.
7:21
